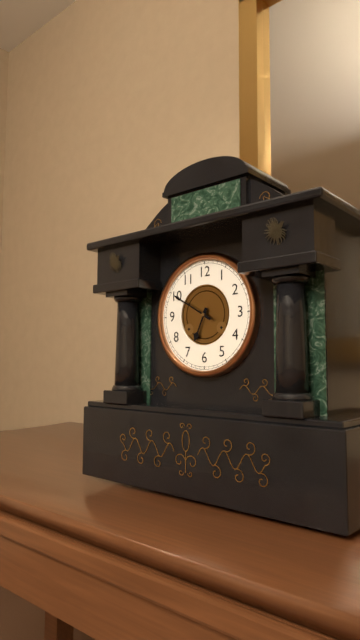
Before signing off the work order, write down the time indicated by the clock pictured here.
6:50
